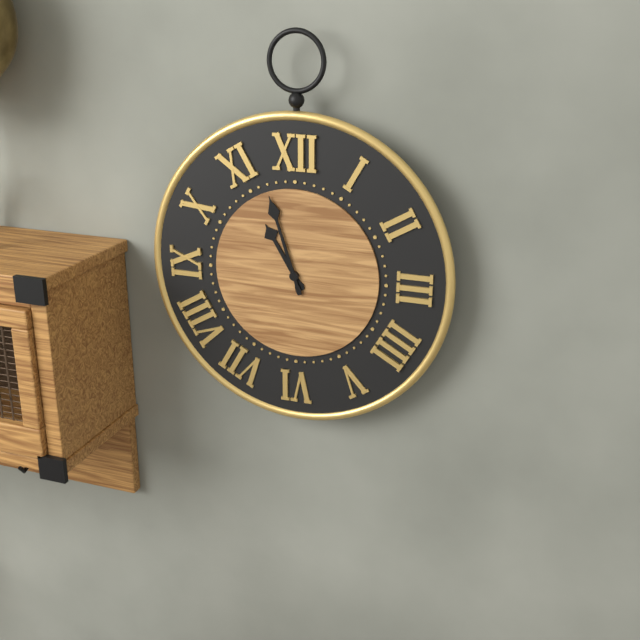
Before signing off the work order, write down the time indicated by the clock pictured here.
10:57
